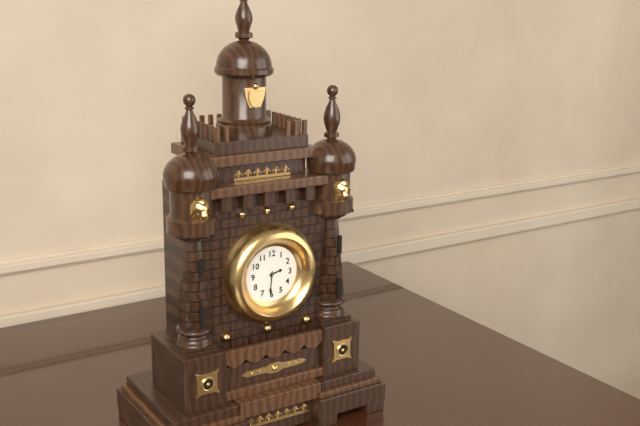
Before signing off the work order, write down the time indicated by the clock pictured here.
2:31
